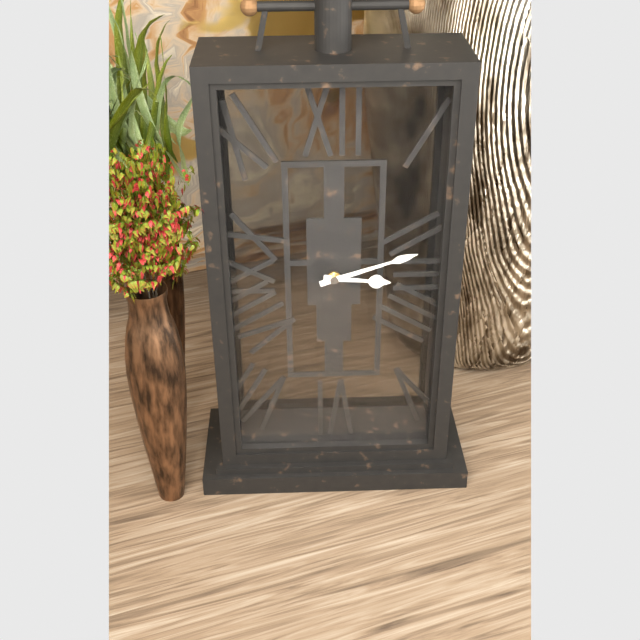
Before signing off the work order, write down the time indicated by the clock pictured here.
3:12
